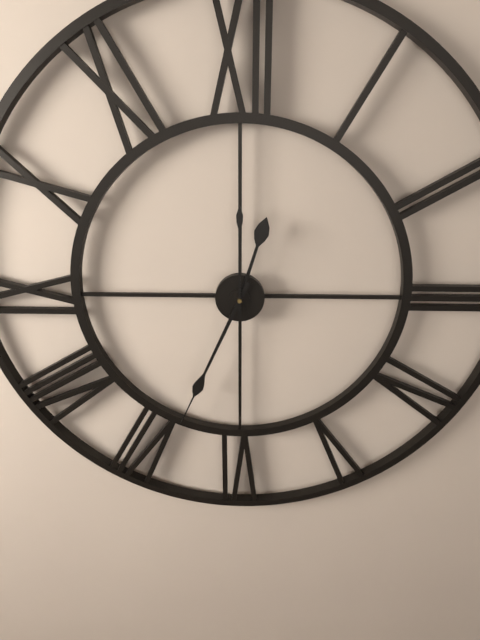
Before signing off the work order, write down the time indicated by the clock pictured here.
12:34:00
